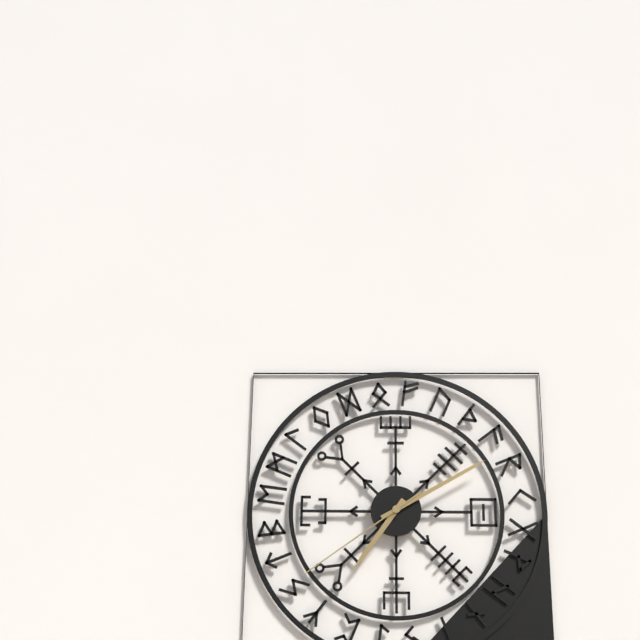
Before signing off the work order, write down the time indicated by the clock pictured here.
7:10:39
